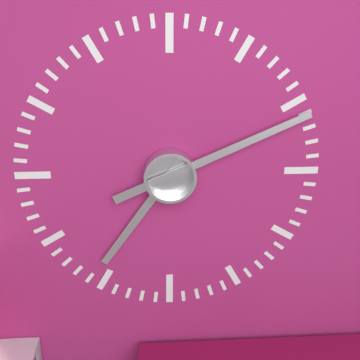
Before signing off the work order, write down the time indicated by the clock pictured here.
7:11
